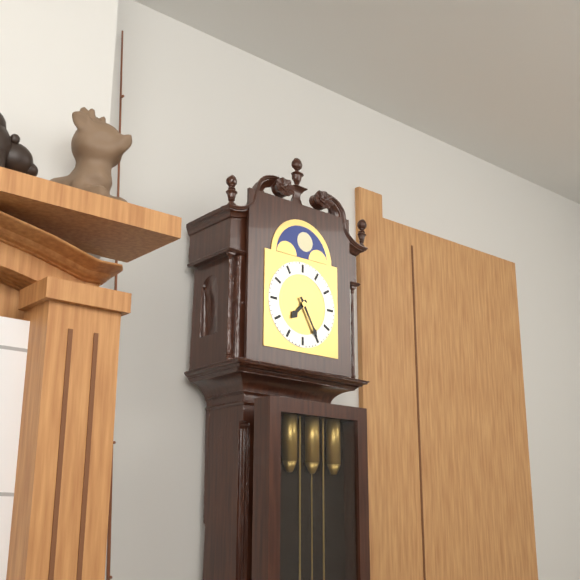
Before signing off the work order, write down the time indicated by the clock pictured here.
7:25
